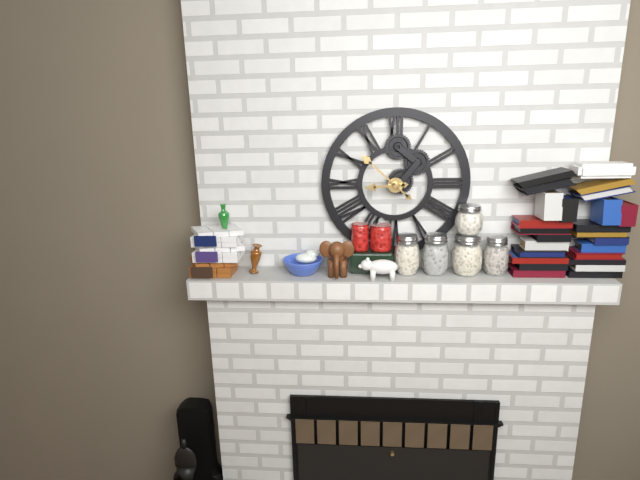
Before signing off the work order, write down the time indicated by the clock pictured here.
8:52
